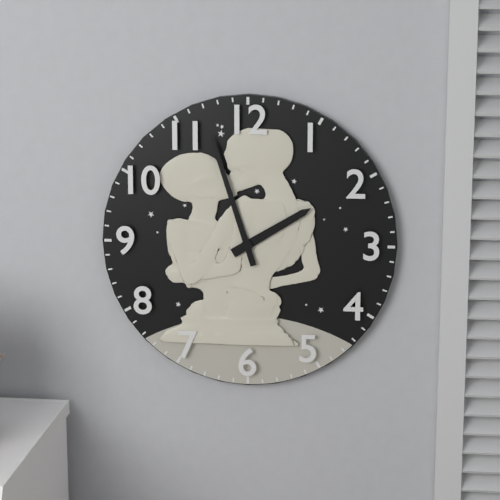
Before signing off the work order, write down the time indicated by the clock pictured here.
1:57
